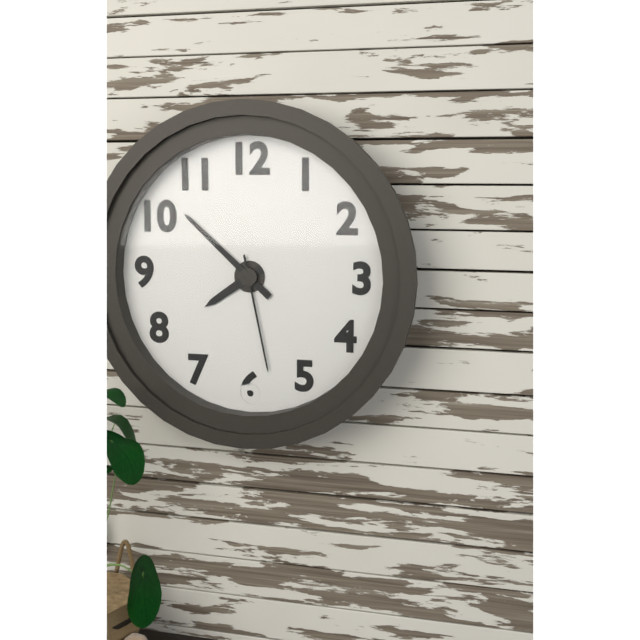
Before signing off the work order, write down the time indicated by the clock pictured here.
7:52:28
